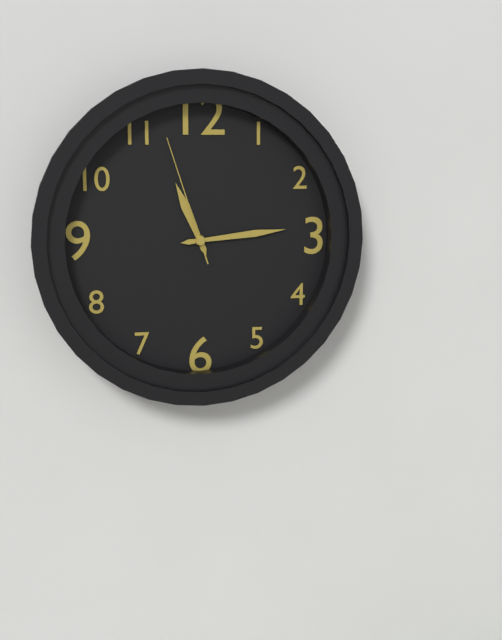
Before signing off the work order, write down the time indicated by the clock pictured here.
11:14:57
